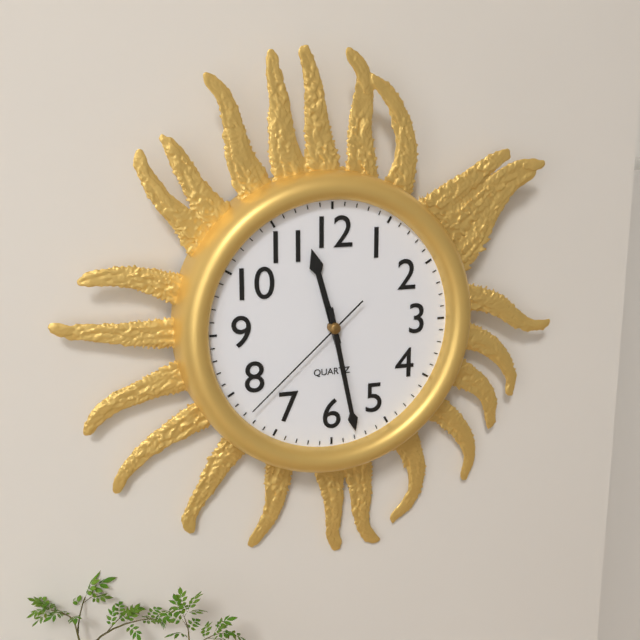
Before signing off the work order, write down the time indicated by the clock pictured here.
11:28:38
